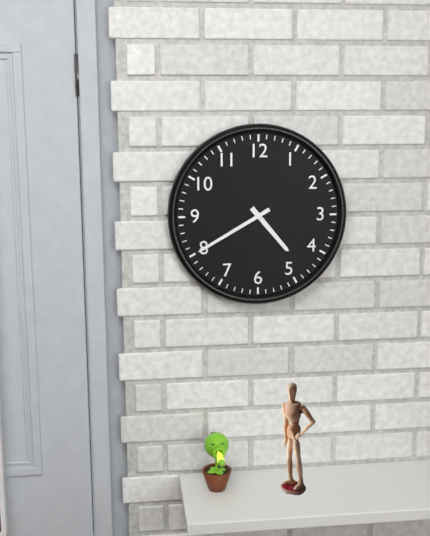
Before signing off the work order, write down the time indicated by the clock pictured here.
4:40
